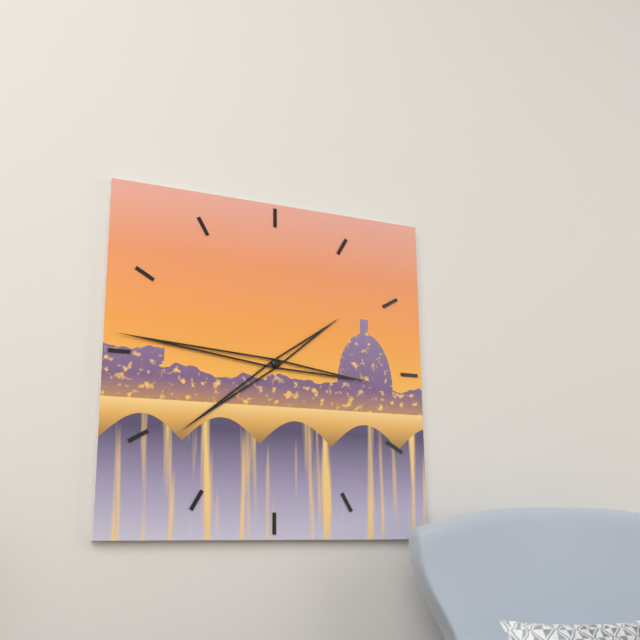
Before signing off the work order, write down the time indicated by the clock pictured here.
7:46
